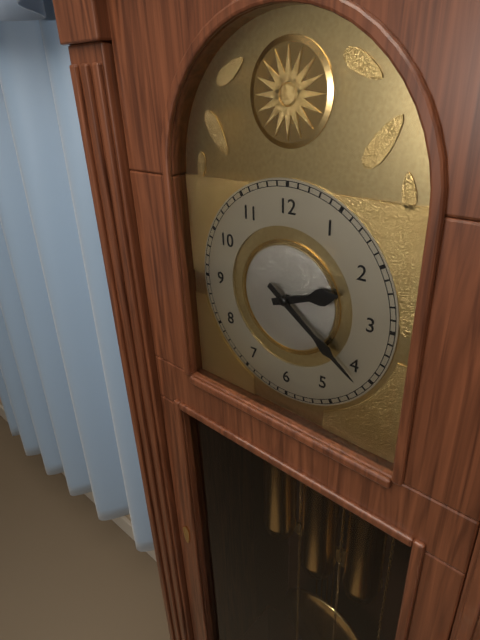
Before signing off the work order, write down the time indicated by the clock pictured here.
2:21
